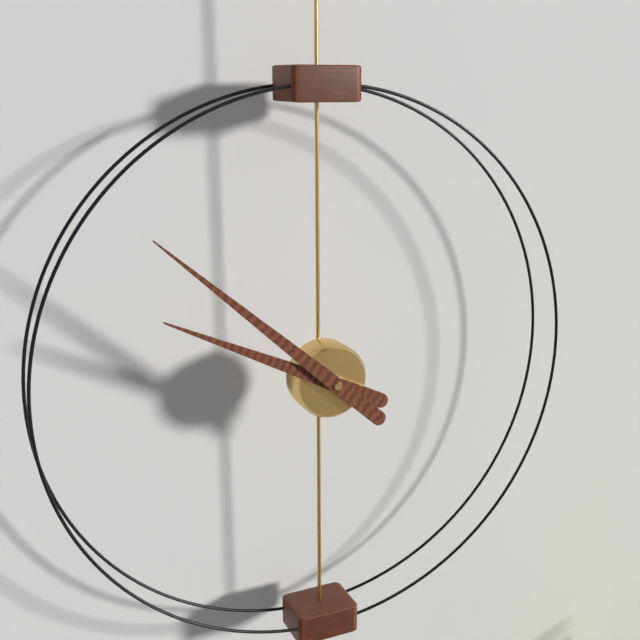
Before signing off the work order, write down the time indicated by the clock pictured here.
9:52
